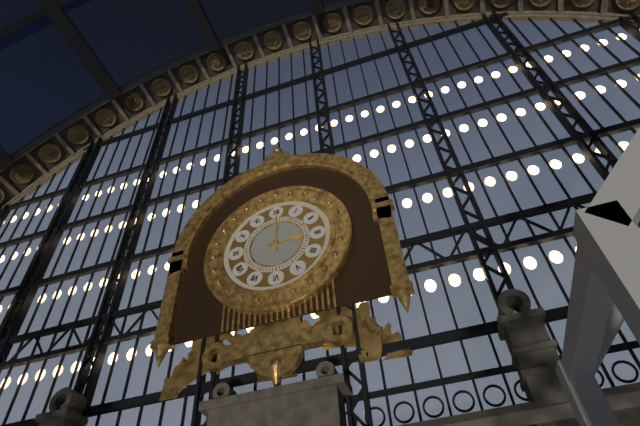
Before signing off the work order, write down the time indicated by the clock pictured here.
3:00
